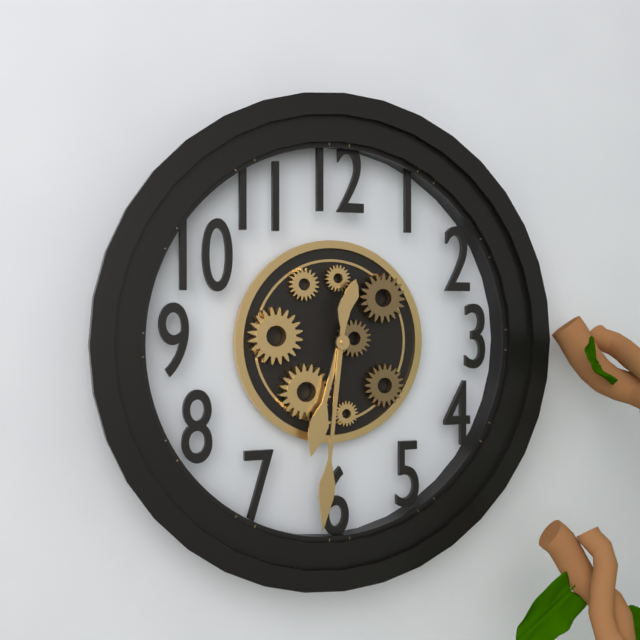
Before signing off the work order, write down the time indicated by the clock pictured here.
6:31
